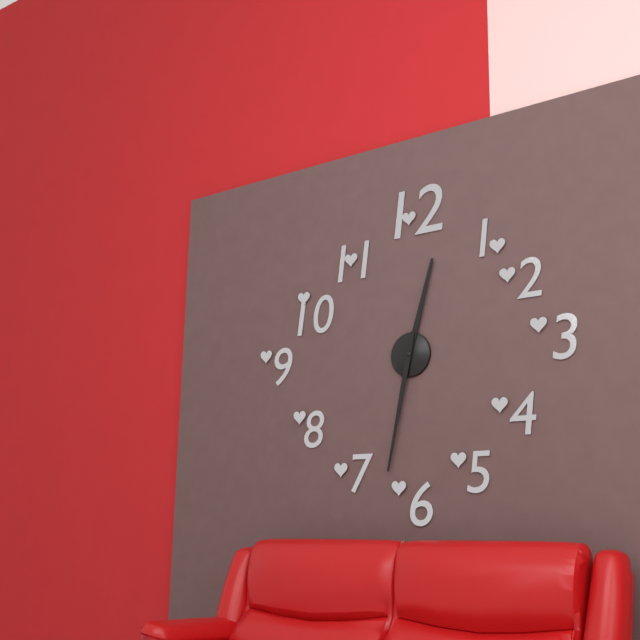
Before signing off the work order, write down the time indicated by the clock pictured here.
12:32
